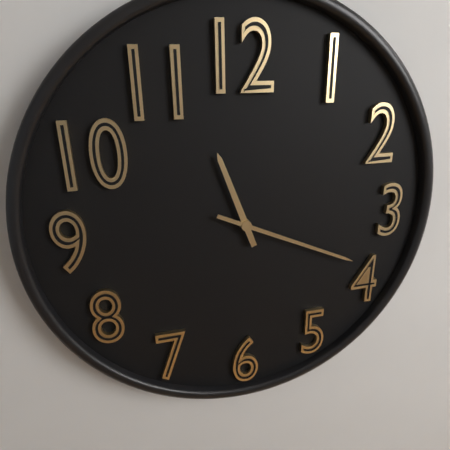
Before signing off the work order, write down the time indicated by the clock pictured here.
11:19
